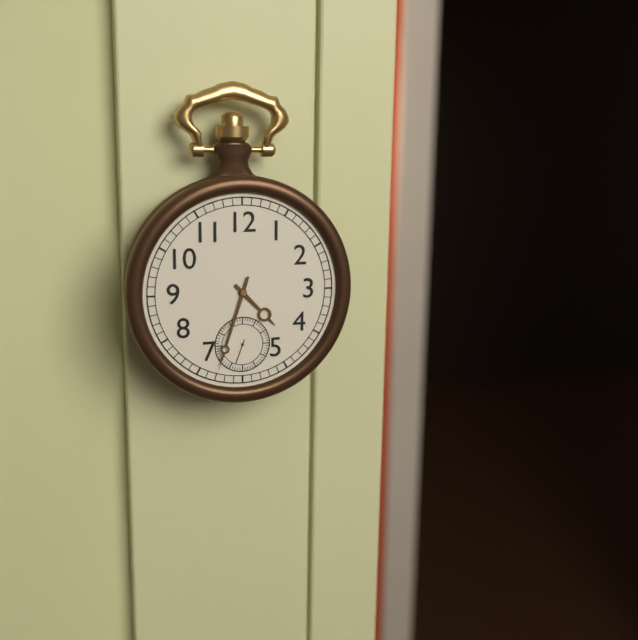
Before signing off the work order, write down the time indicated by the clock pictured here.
4:33
